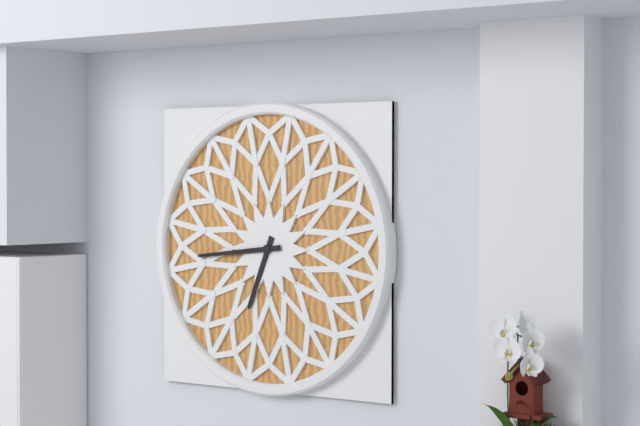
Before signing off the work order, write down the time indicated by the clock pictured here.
6:44
